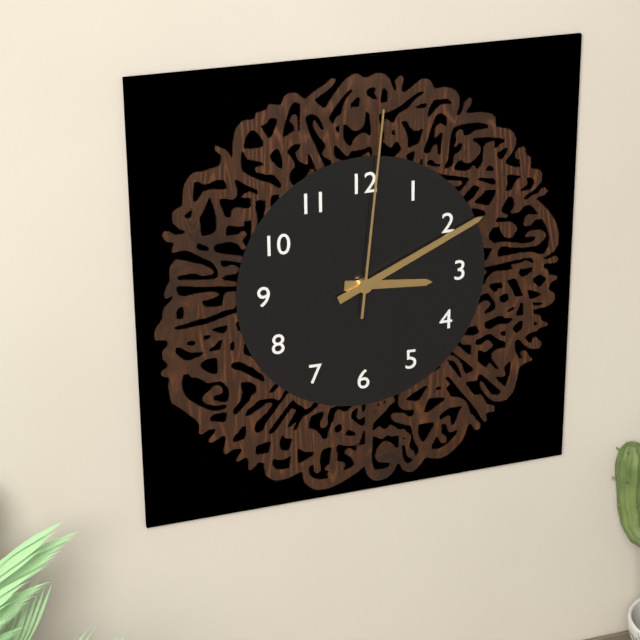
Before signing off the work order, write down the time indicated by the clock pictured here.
3:11:01
